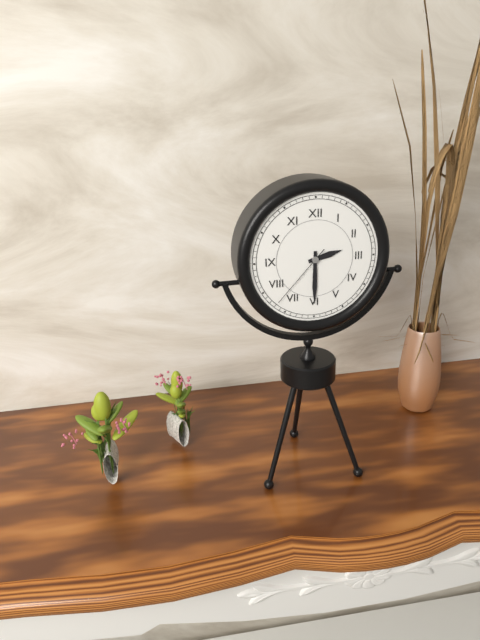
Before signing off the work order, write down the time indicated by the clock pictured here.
2:30:37
